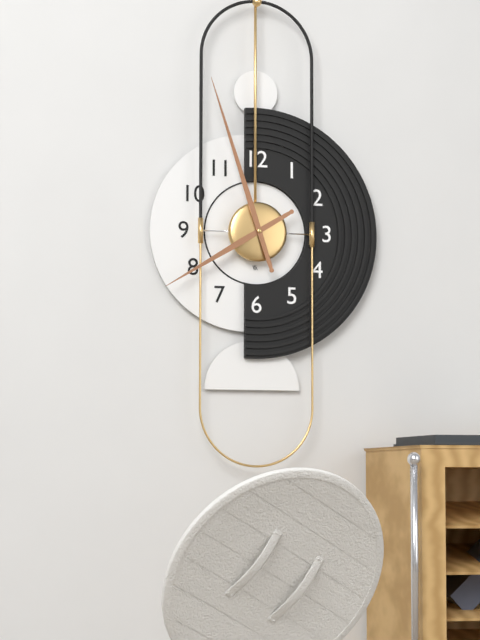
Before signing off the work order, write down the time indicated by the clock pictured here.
7:57
